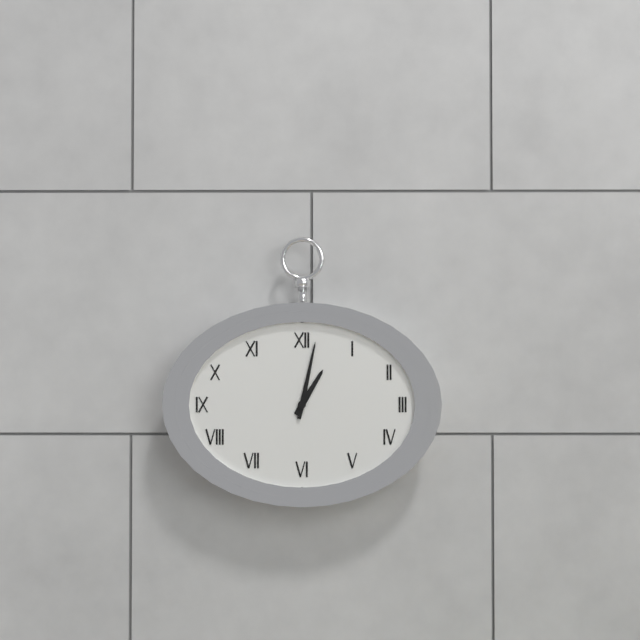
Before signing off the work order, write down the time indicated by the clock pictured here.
1:02
